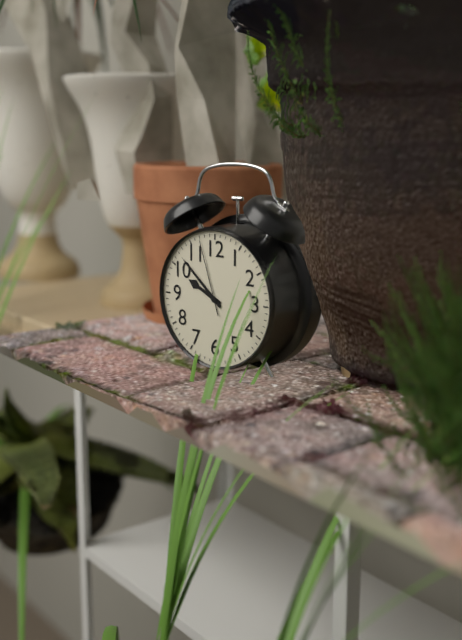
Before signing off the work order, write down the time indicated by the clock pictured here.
9:52:57
